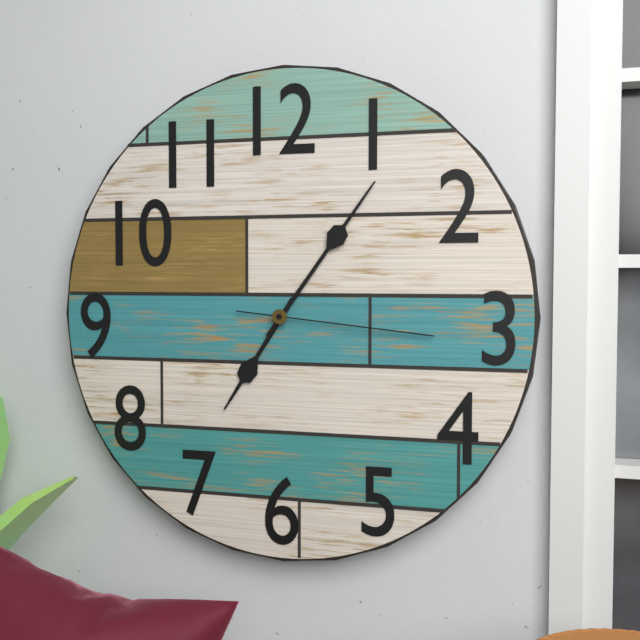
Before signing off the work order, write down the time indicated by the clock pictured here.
7:06:16
